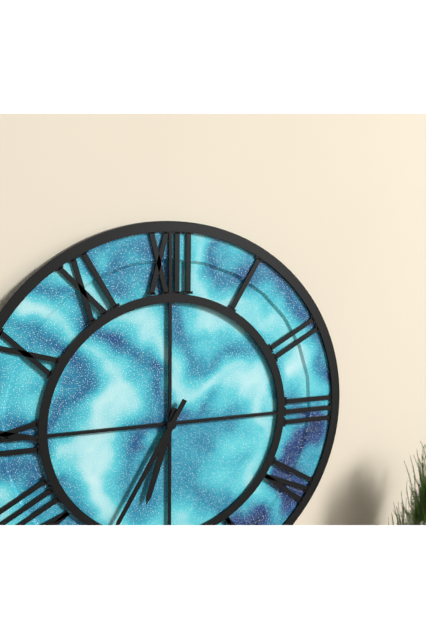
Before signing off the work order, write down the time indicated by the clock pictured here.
6:35
